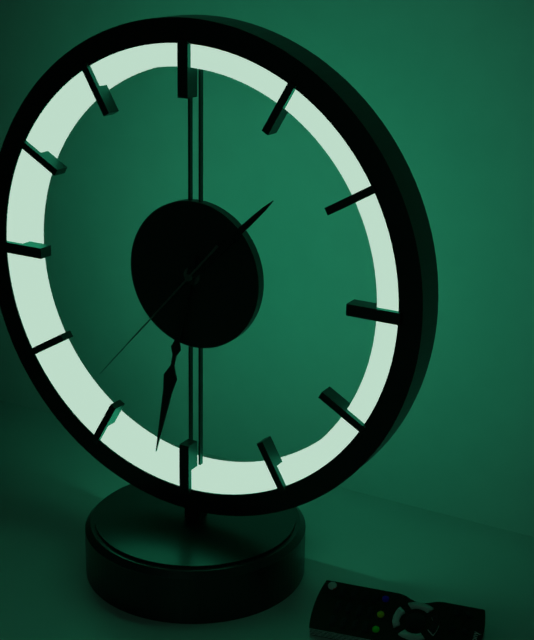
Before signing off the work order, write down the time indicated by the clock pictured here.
1:32:37
